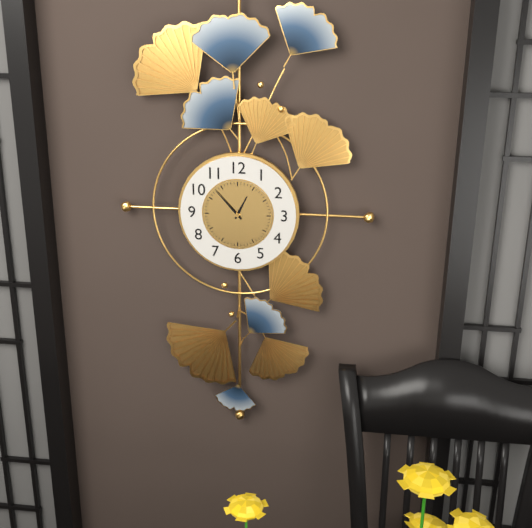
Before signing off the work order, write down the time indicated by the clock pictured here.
12:53
